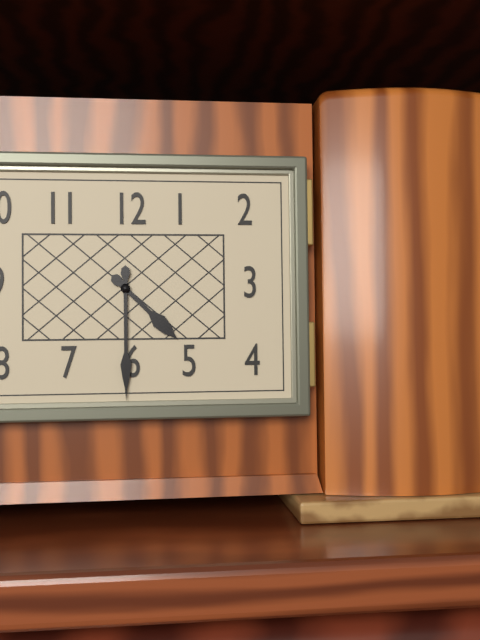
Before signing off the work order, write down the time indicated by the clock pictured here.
4:30
